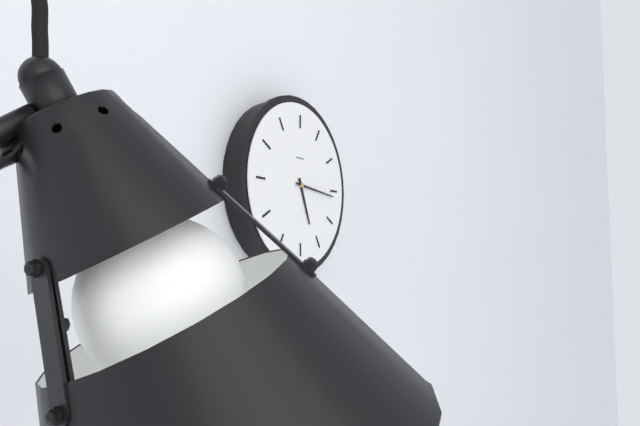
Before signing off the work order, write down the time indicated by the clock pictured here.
5:16
